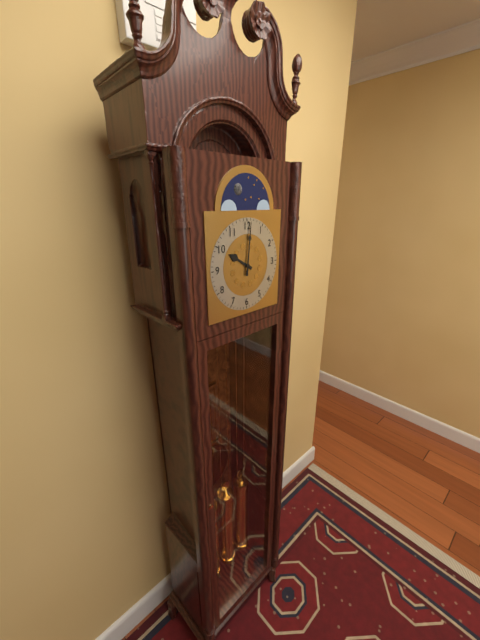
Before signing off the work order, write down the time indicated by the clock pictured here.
10:01
